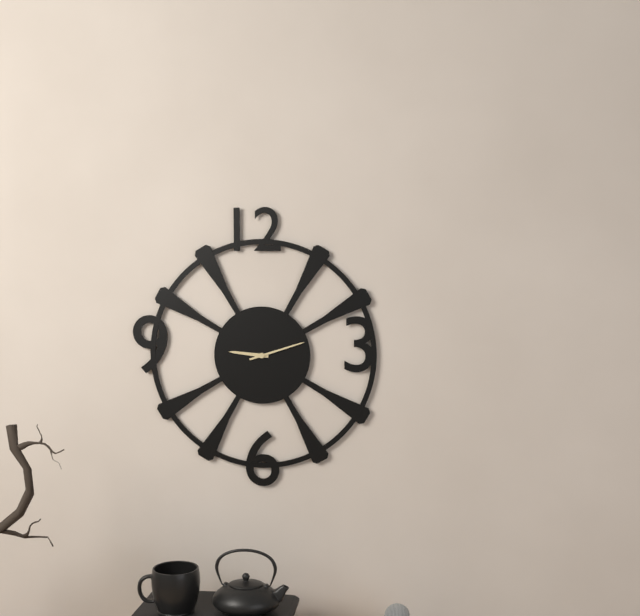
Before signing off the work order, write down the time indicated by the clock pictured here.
9:12
